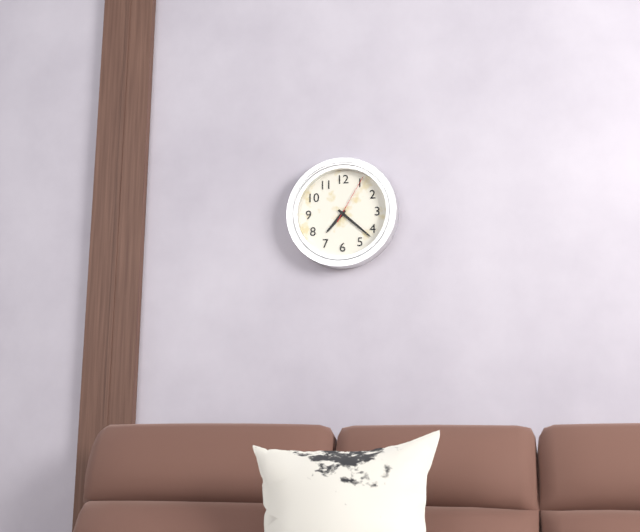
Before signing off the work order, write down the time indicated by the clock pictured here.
7:22:05
